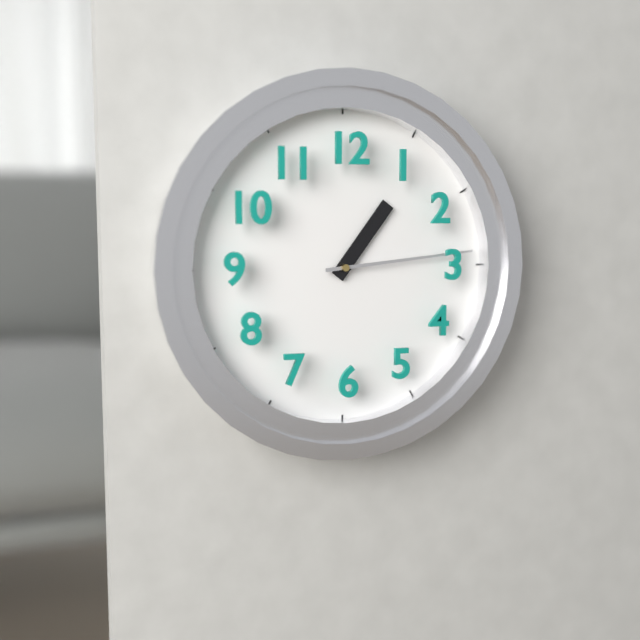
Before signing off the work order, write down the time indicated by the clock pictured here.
1:14
